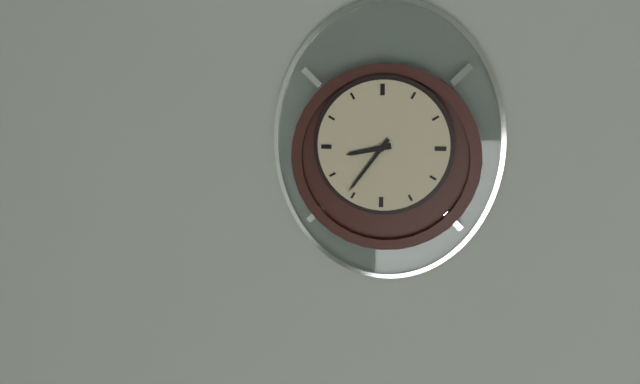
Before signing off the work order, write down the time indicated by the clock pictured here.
8:36
